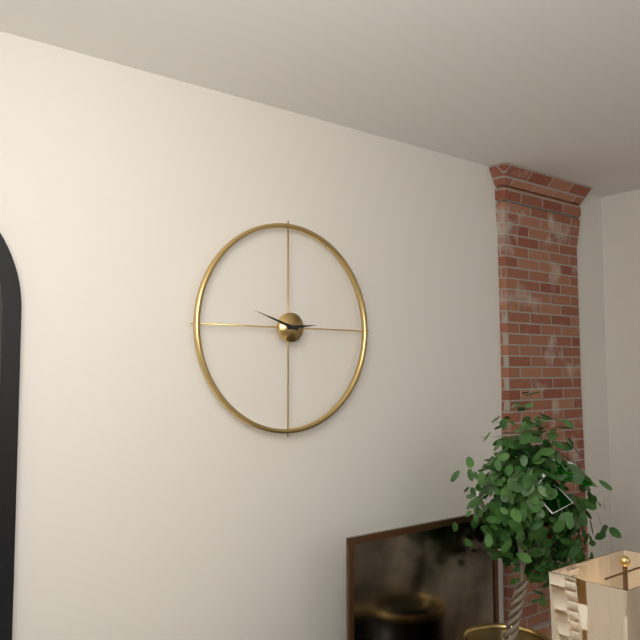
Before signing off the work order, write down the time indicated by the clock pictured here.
2:48
